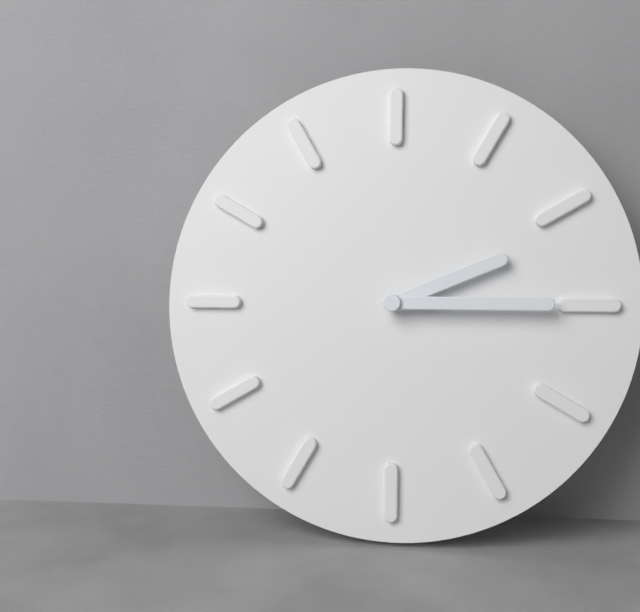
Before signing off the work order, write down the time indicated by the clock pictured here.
2:15
